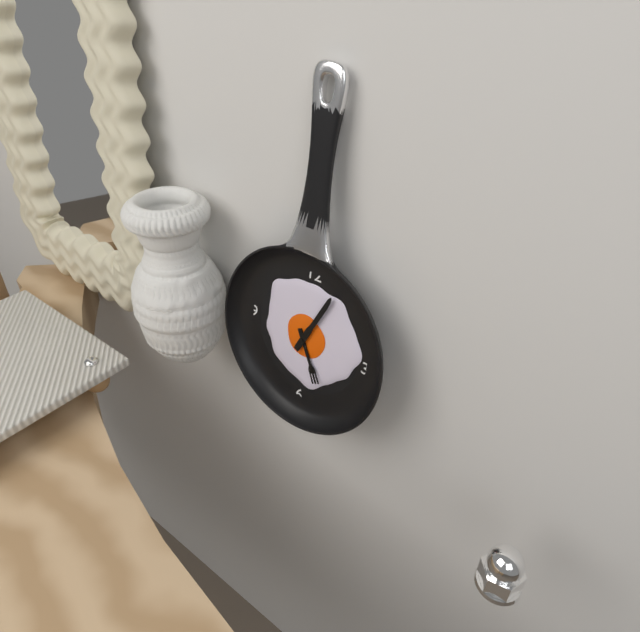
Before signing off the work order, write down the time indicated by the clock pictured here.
5:04
